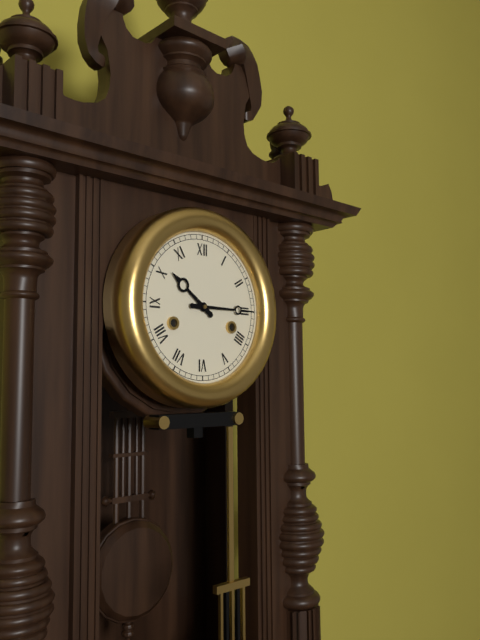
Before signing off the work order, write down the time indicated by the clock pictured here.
10:15
